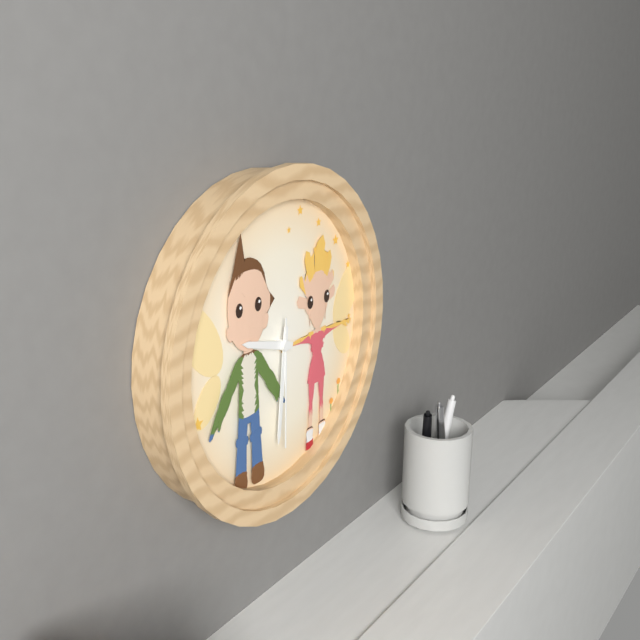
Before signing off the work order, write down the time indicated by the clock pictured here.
9:31:30
